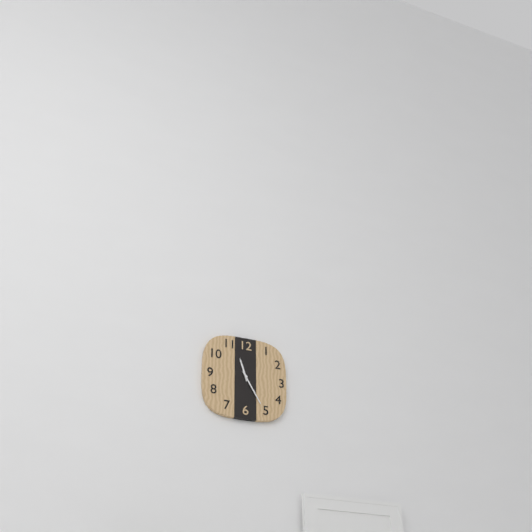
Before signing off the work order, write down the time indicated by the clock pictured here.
11:25
